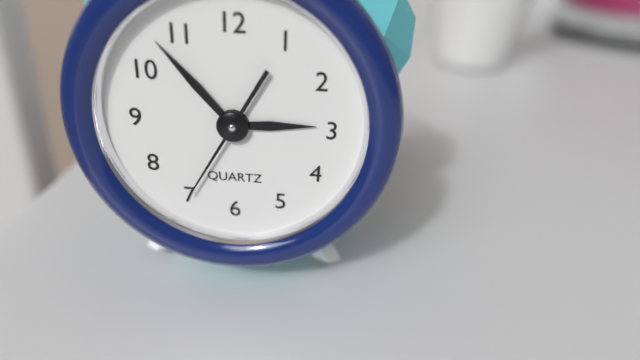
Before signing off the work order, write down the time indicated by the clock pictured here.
2:53:35
